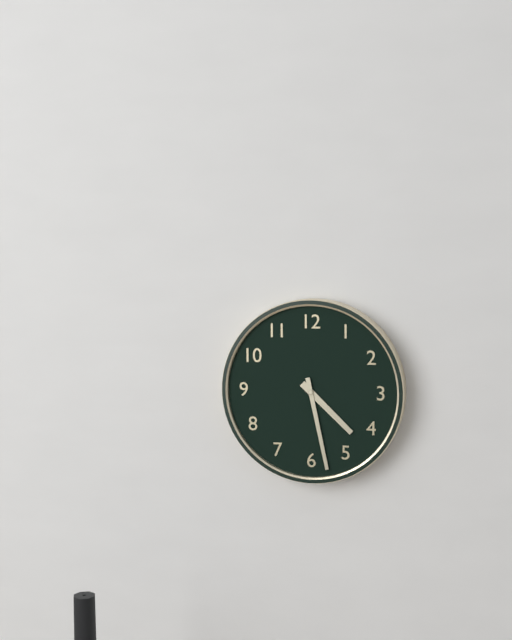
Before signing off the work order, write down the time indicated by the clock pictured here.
4:28
